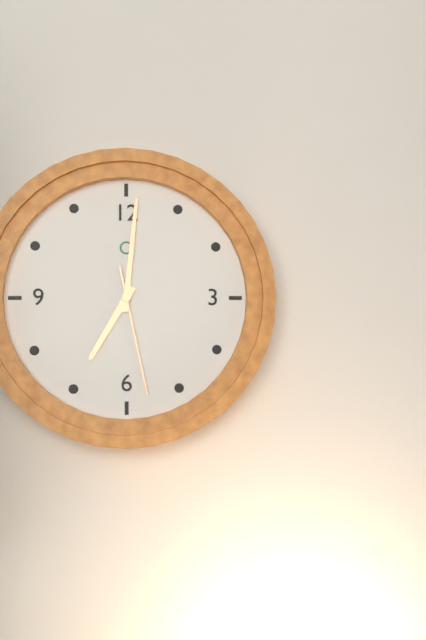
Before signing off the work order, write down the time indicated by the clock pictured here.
7:01:28
